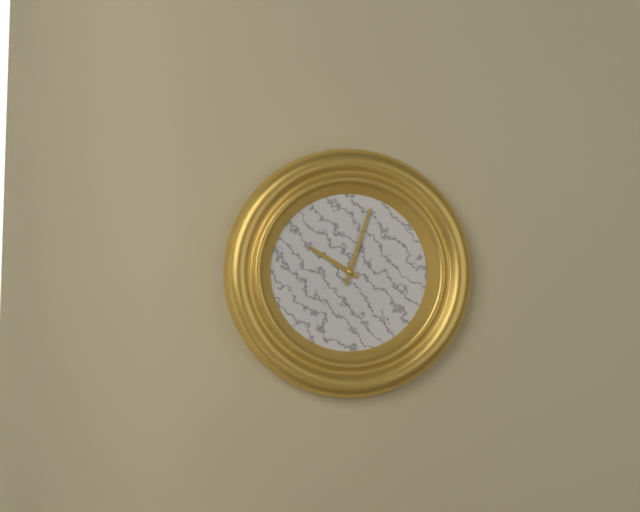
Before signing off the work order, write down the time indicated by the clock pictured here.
10:03
